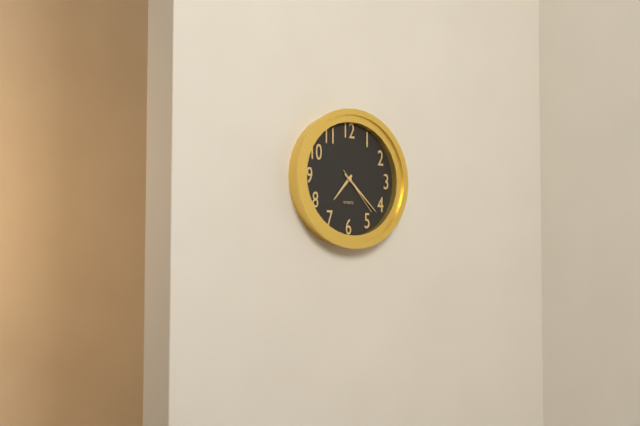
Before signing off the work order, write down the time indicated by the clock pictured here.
7:22:23
